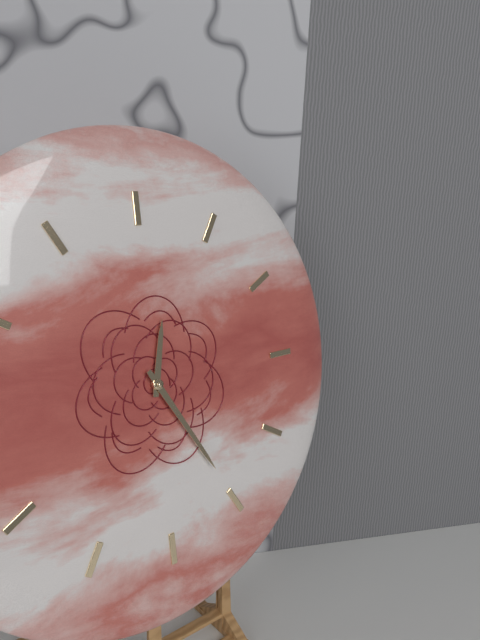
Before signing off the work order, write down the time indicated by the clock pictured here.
12:25
